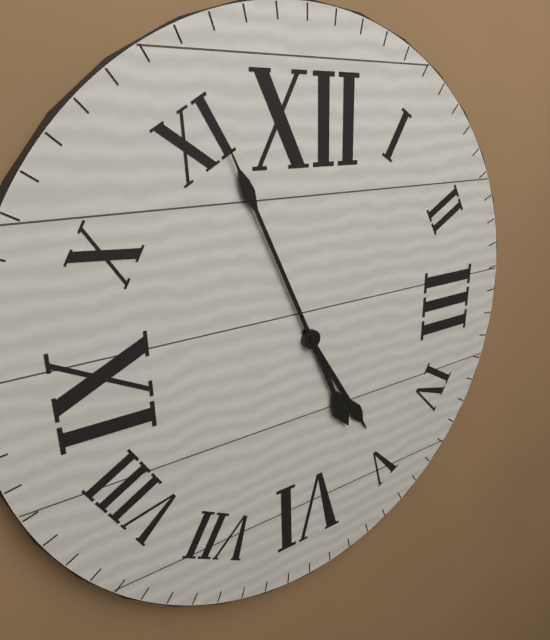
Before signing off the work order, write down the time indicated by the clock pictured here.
4:56
